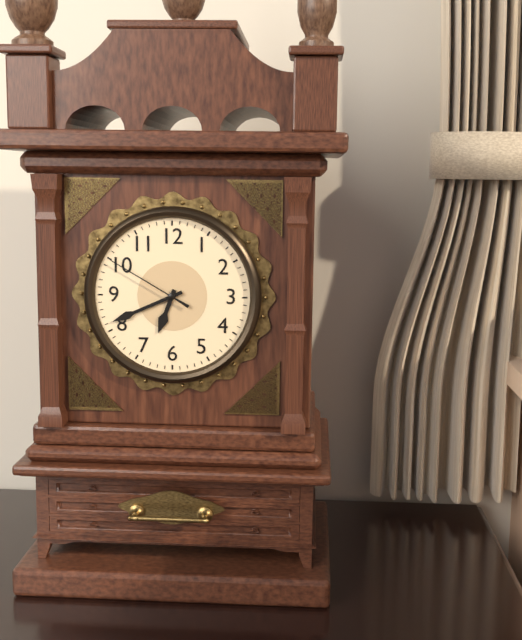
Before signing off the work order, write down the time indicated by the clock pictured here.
6:41:50
